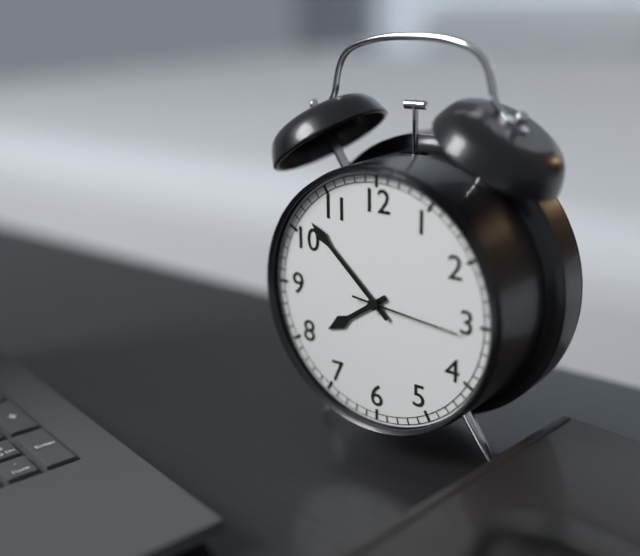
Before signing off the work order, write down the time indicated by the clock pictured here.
7:52:16
